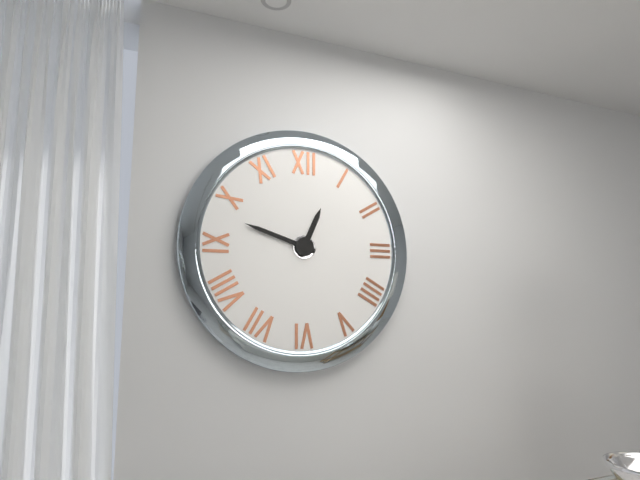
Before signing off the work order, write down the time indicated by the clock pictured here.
12:48
